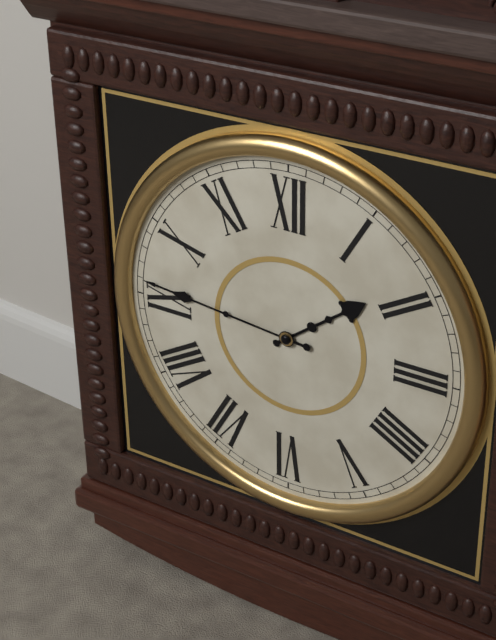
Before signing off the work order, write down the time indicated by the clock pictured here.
1:46
